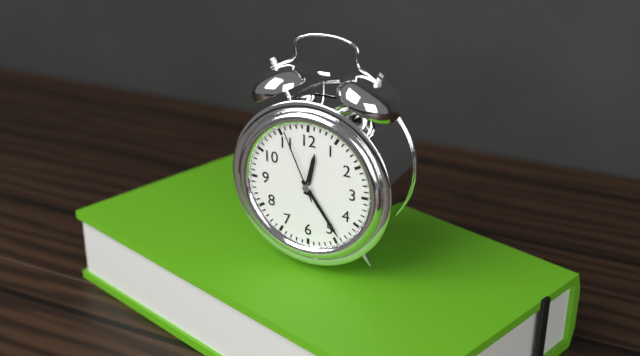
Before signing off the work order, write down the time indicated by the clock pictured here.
12:24:56
